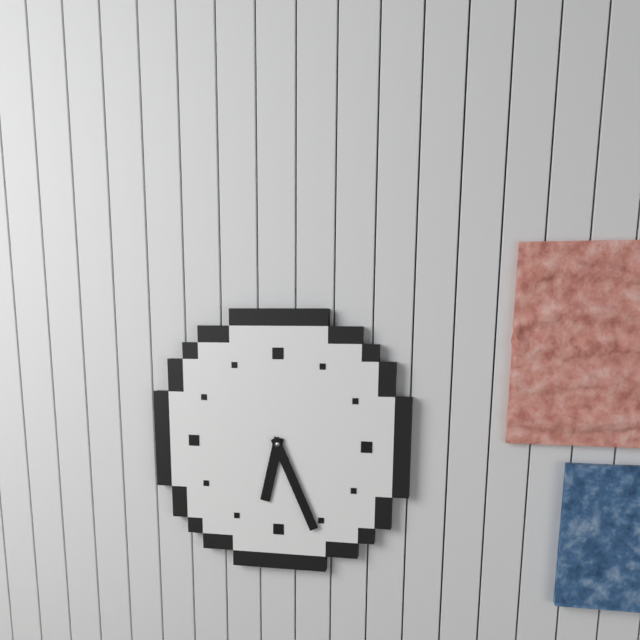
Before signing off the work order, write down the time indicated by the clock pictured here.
6:26
